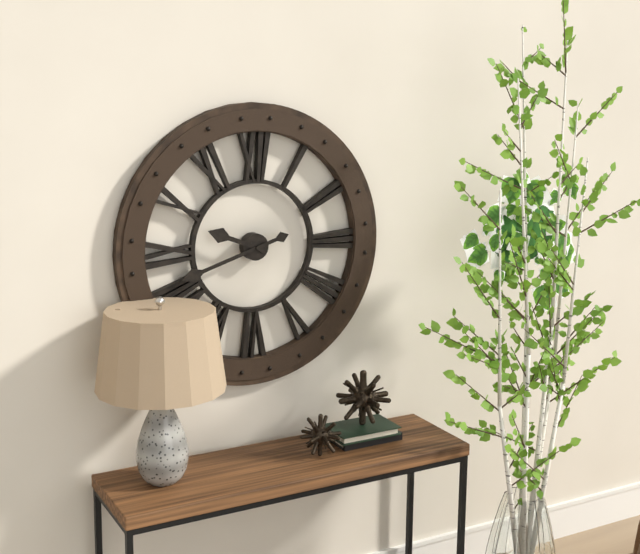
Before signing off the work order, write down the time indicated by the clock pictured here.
9:42
